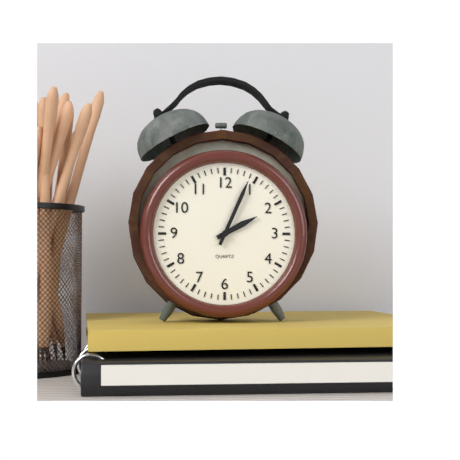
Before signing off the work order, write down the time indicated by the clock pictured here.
2:04
